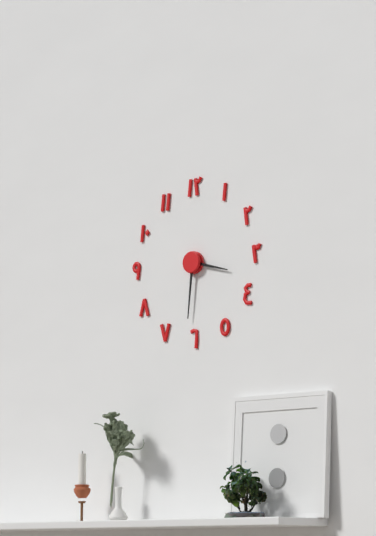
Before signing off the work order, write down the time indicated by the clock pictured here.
3:31
